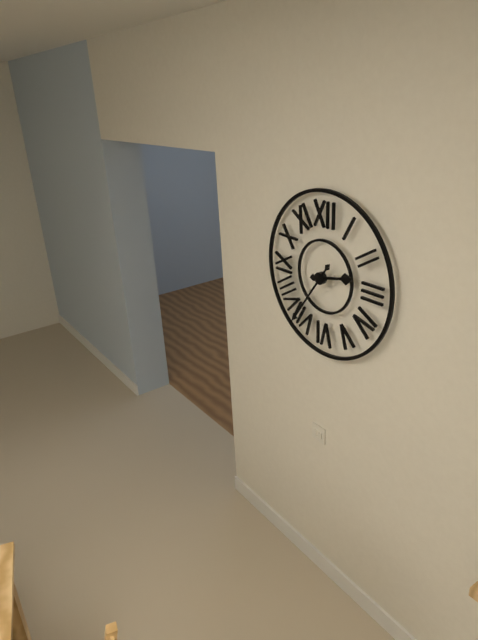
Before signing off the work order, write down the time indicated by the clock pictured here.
2:36
